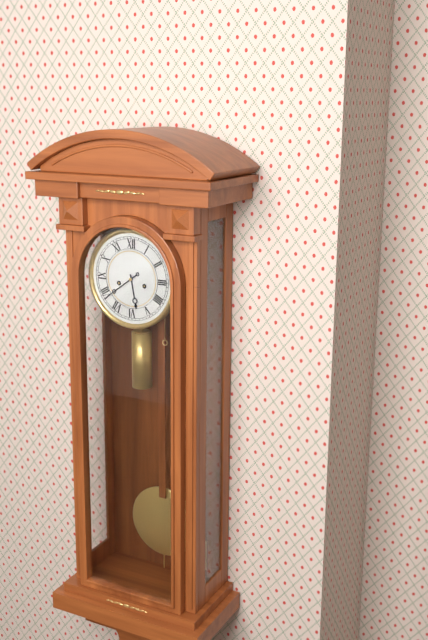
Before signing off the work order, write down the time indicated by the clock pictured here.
5:39
